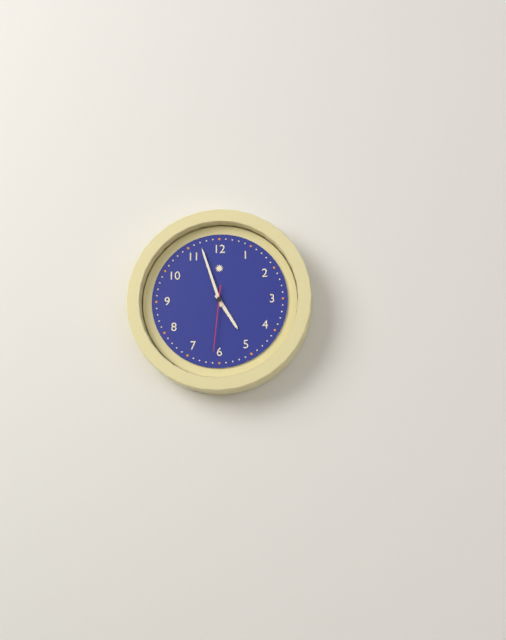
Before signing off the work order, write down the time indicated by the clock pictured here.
4:57:31
